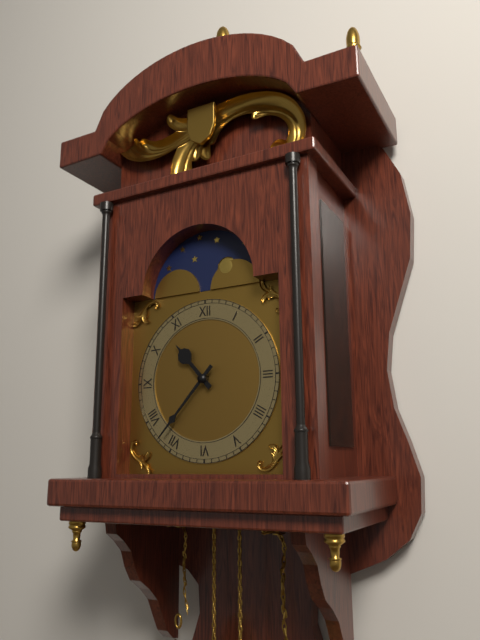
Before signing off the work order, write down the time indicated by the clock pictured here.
10:37
